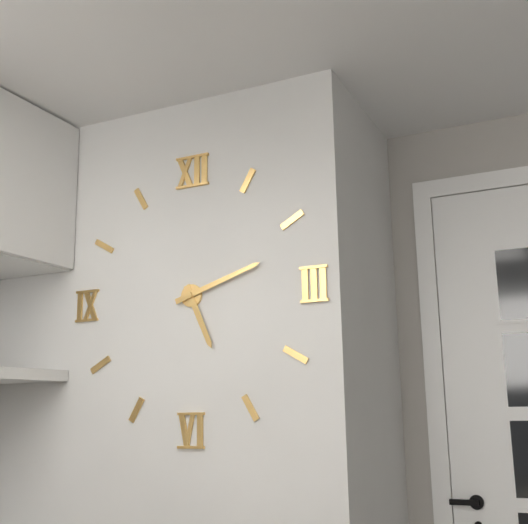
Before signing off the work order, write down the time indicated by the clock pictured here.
5:12
